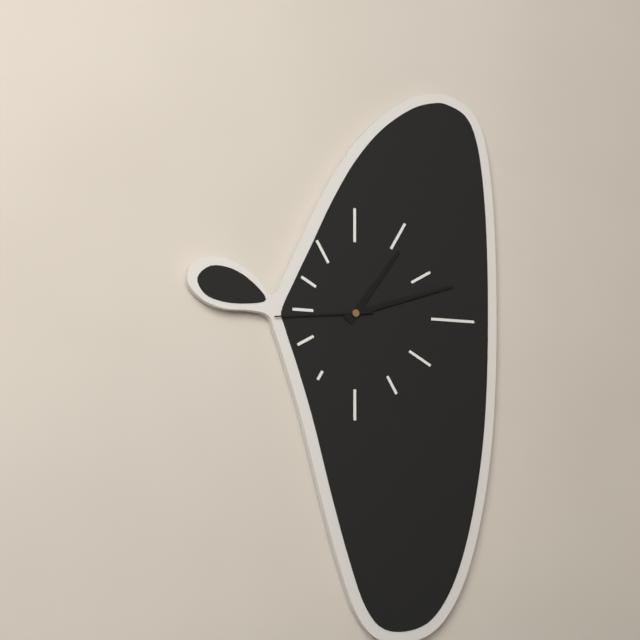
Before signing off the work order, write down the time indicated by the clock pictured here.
1:12:44
